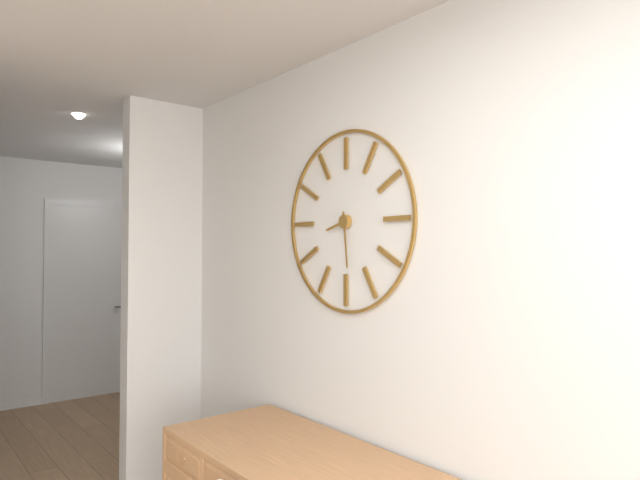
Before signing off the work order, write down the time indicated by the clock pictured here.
8:29
